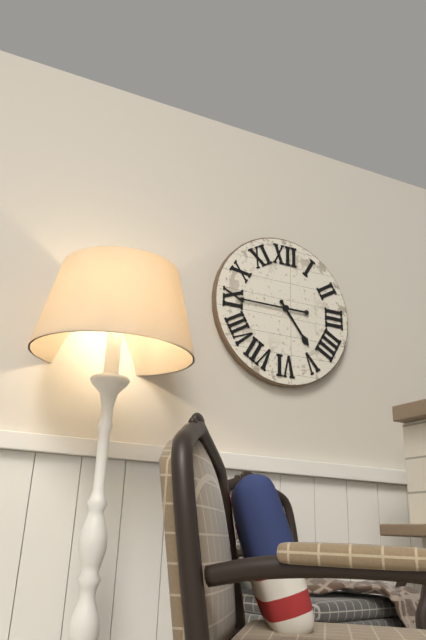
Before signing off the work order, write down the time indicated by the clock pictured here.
4:45
